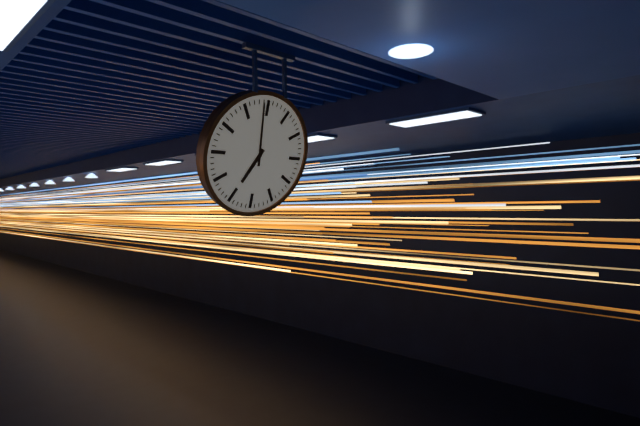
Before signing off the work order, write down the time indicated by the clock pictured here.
6:59
